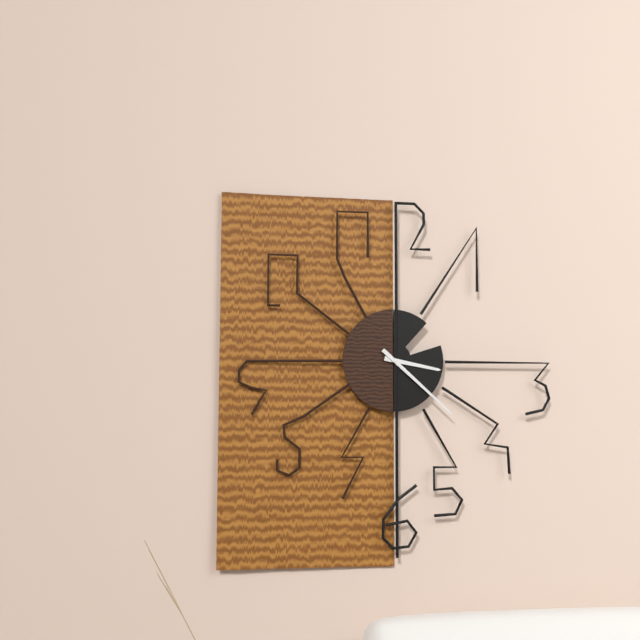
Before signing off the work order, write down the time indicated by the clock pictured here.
3:22
